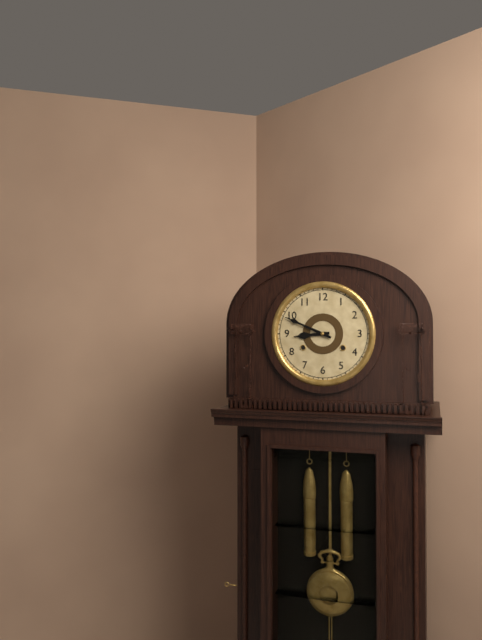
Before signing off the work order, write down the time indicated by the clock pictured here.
8:49
